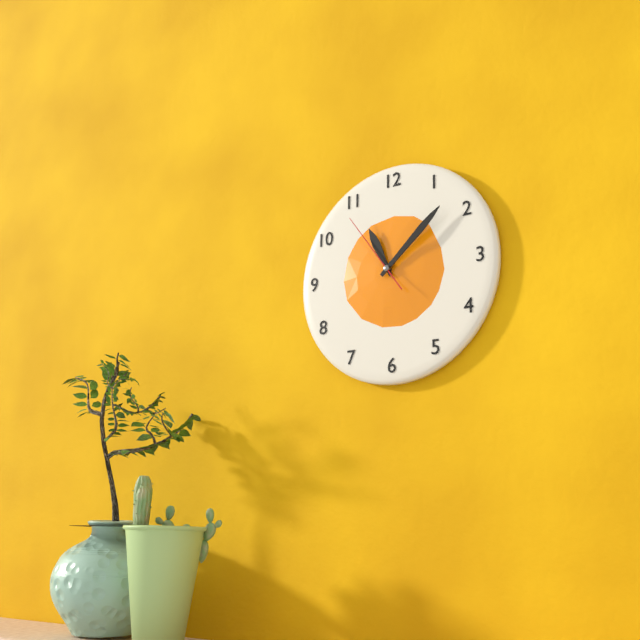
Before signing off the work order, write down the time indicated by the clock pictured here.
11:08:54
